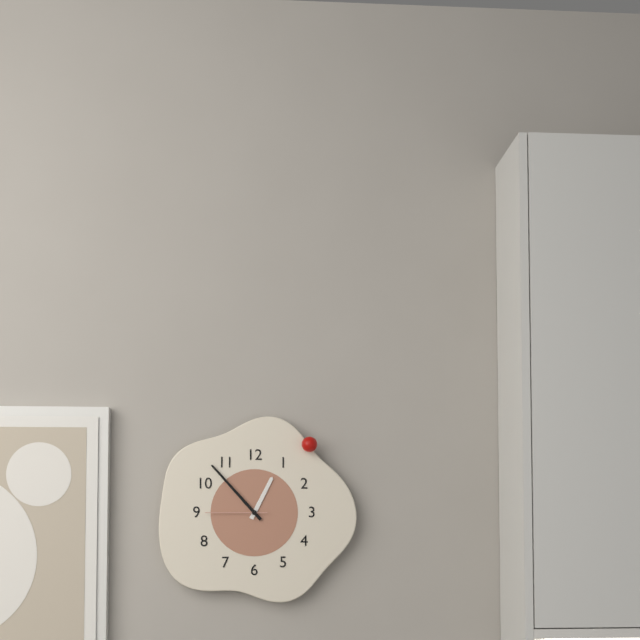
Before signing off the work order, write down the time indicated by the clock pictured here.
12:53:45
